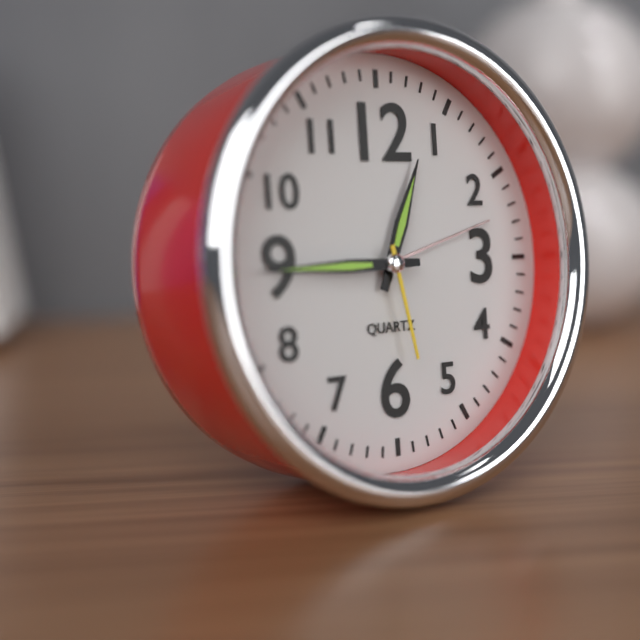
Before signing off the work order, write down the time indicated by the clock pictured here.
12:45:28
